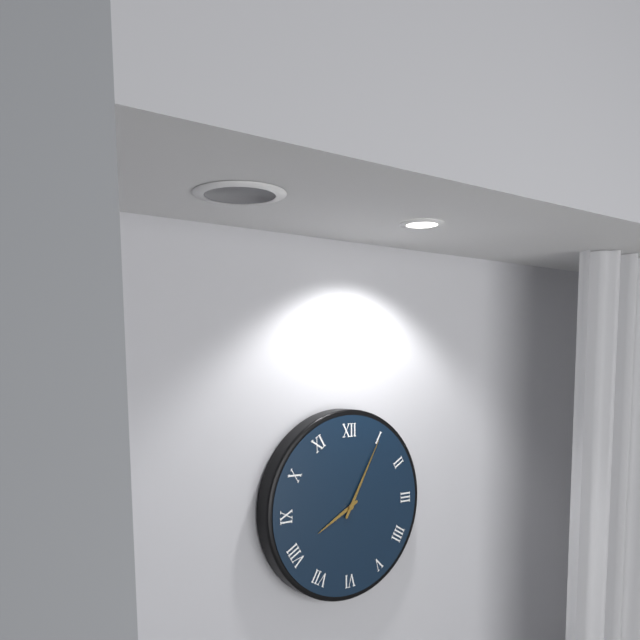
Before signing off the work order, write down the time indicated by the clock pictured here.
8:05
